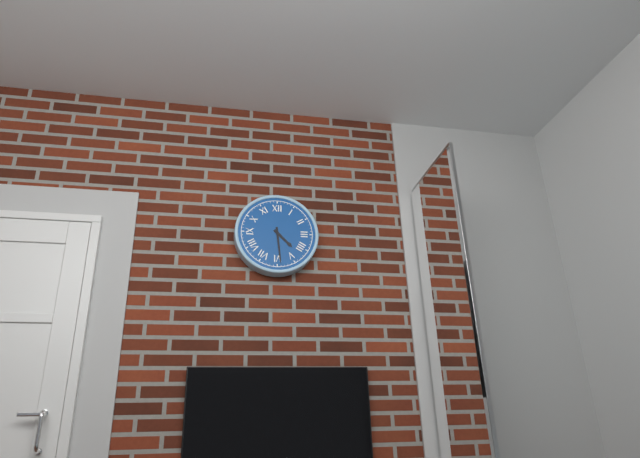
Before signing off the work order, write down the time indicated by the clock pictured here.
4:29
